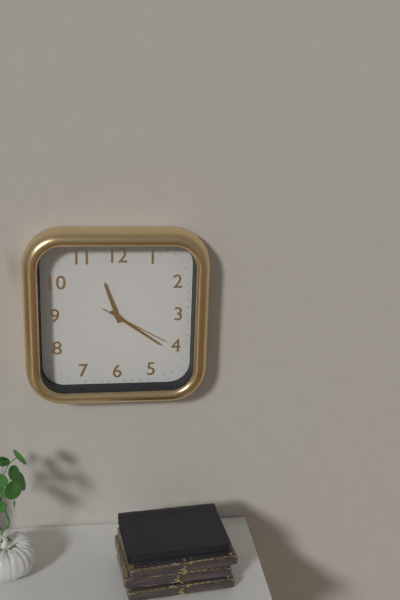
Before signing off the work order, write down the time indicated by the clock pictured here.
11:21:20
